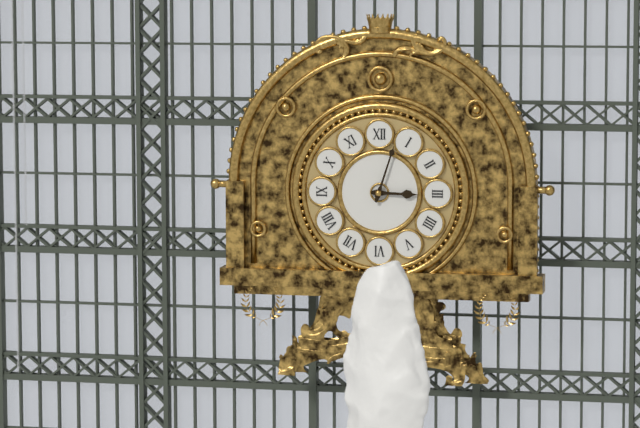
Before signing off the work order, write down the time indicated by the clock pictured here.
3:03
